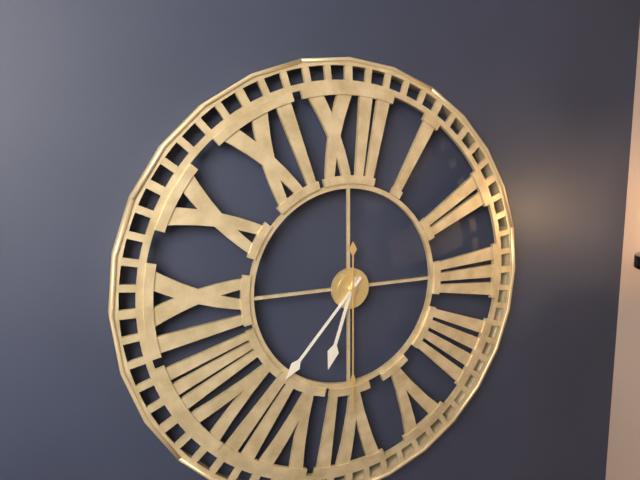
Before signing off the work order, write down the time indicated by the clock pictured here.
6:37:30
